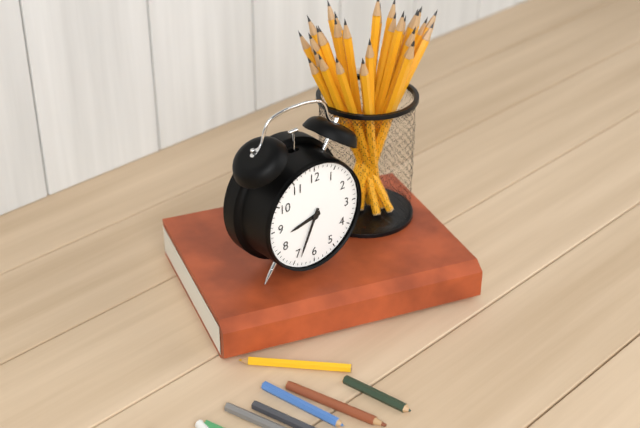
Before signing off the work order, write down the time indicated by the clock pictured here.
8:34
